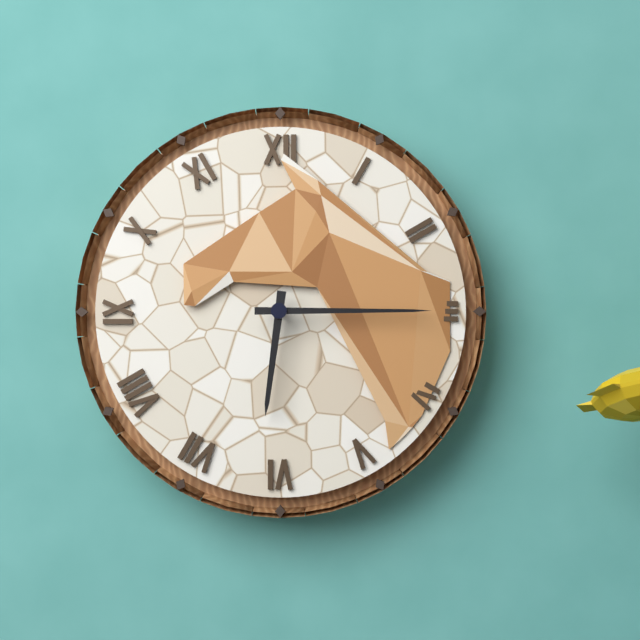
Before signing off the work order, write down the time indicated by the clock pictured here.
6:15
